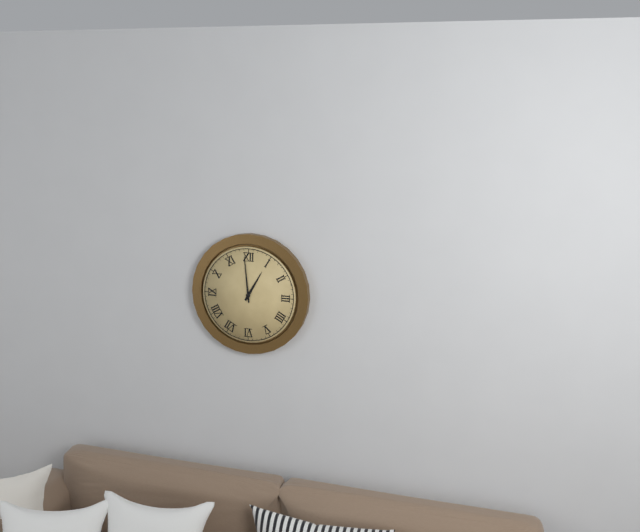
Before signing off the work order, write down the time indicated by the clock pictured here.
12:59
